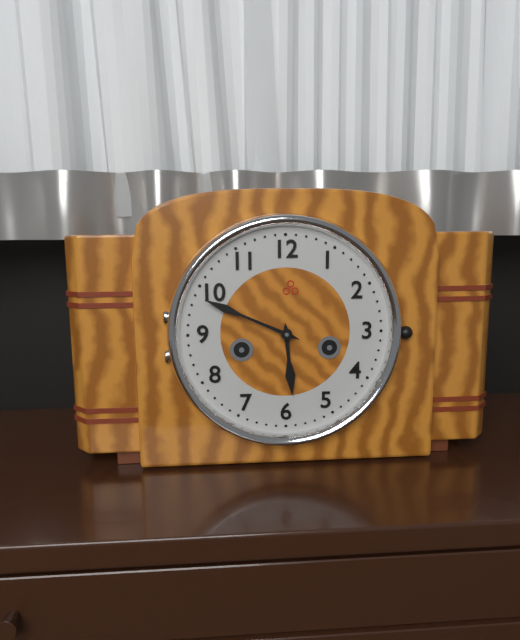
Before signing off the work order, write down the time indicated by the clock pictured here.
5:49
